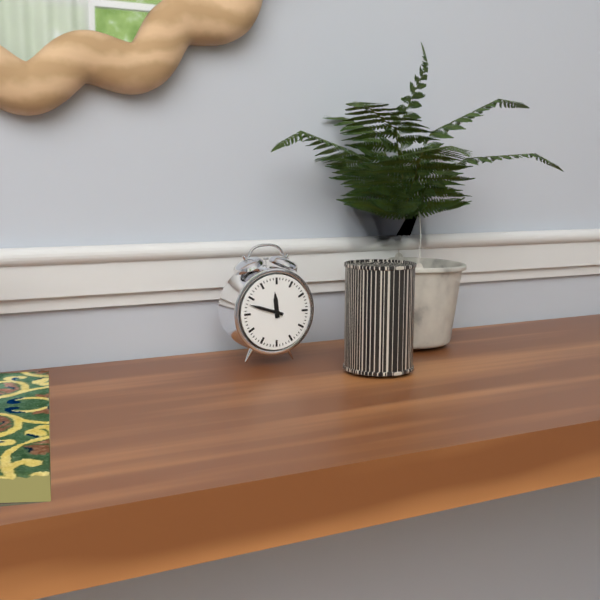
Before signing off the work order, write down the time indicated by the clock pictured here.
11:48
